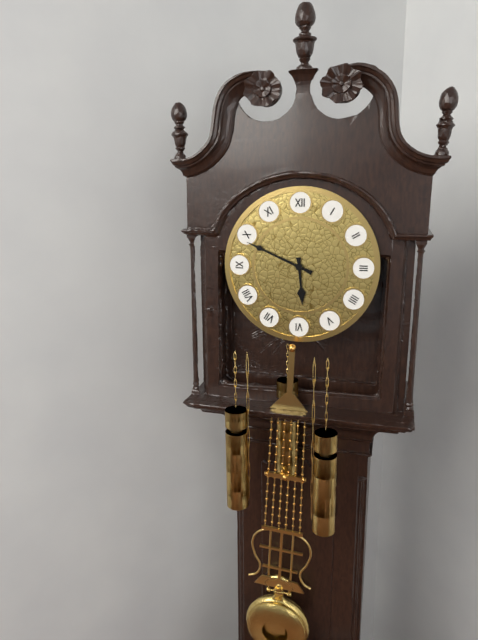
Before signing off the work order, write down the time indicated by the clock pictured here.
5:49
